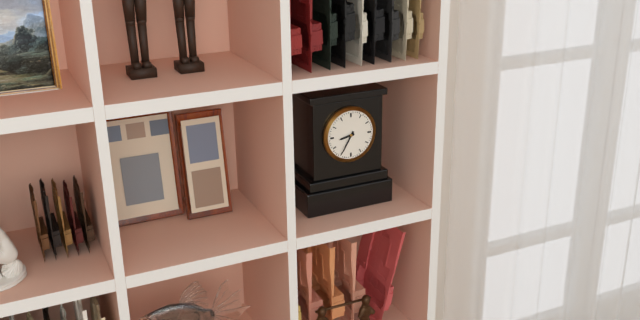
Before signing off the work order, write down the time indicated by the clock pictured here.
8:35
